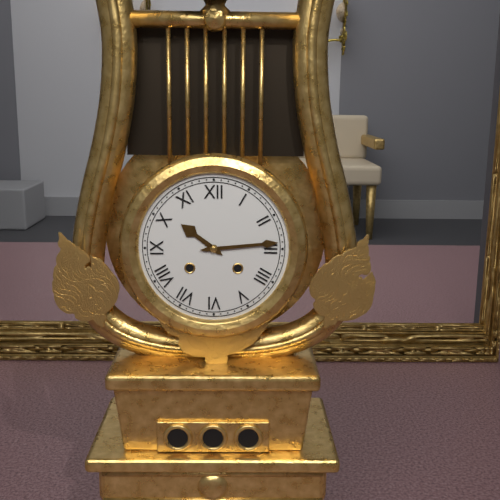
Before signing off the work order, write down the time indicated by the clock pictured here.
10:14
